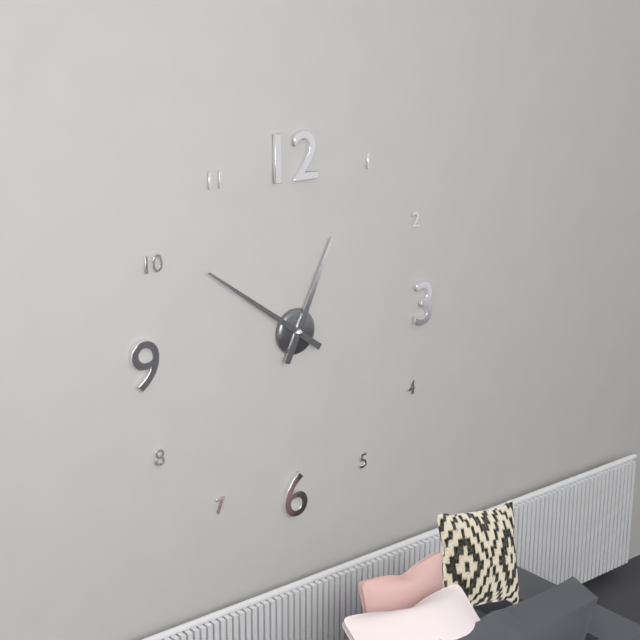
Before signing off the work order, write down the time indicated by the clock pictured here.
12:51
